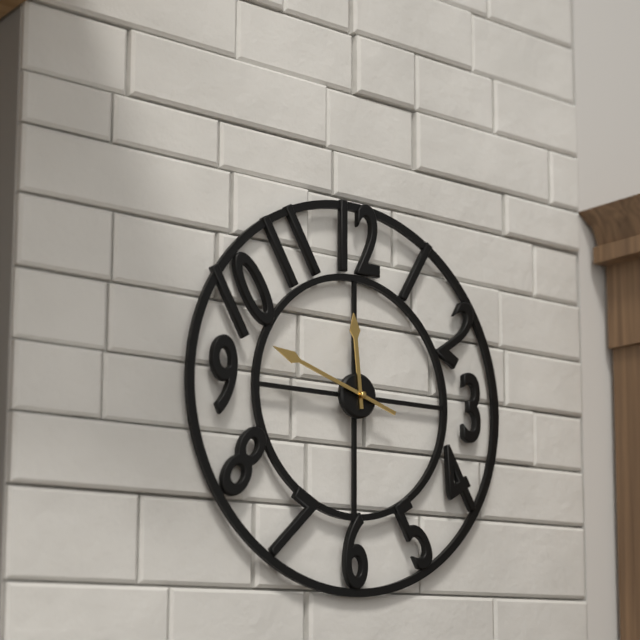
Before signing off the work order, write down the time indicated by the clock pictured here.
11:48
